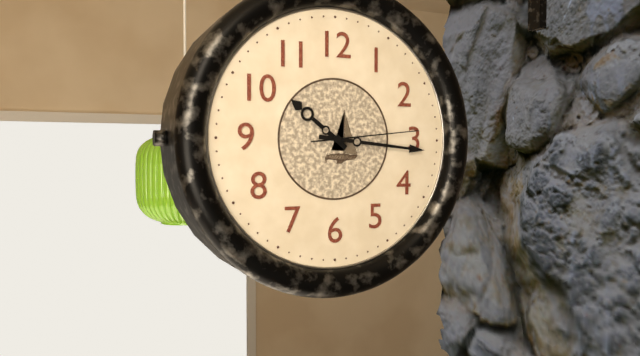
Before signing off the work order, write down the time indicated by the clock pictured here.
10:16:14
